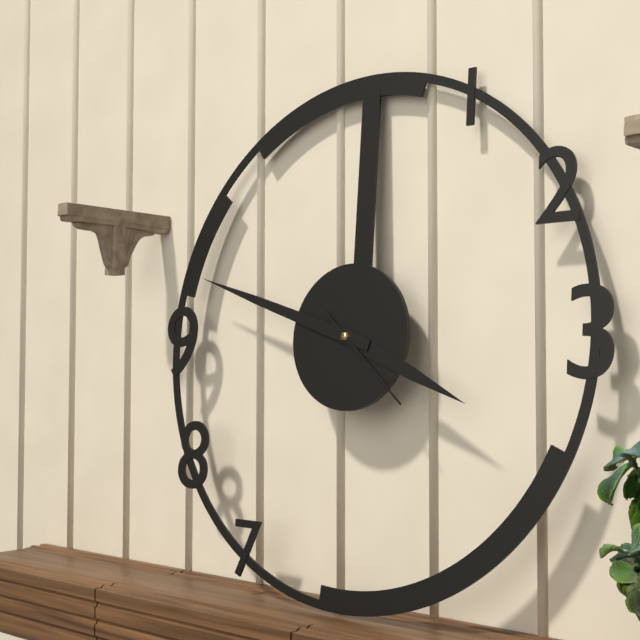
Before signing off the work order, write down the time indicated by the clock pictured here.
3:48:22
